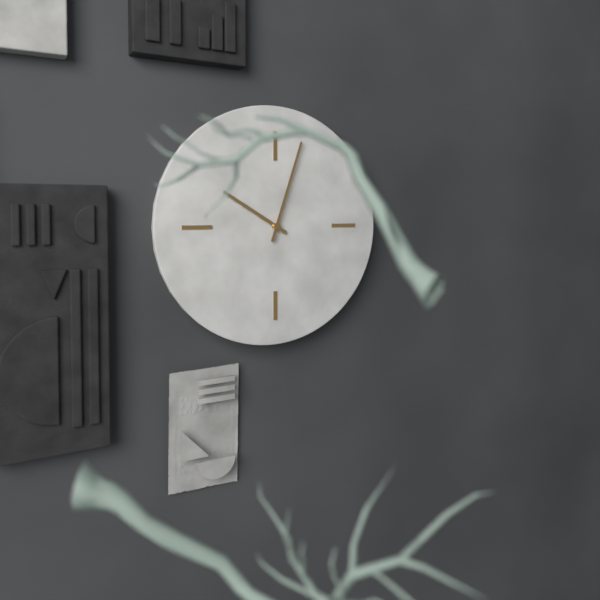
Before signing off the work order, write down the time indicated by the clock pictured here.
10:03
